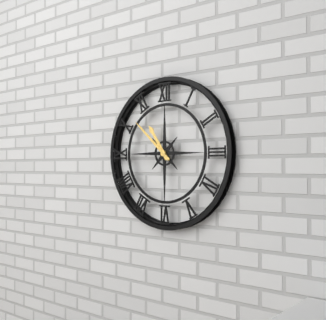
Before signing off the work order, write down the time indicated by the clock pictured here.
10:52
